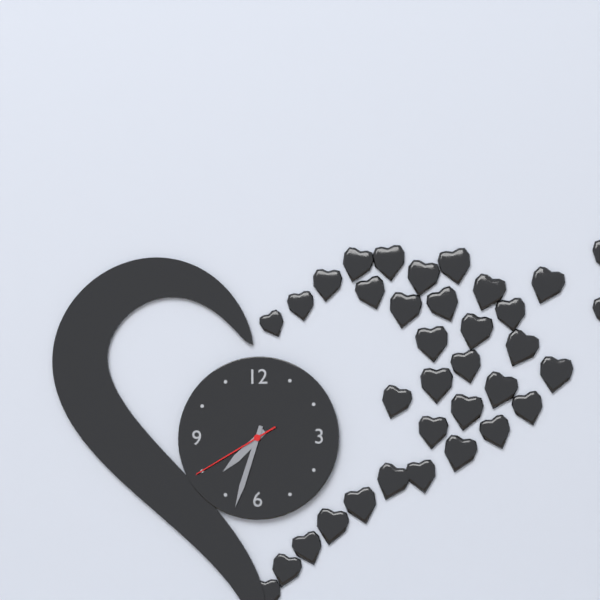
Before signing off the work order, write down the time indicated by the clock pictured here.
7:33:40
